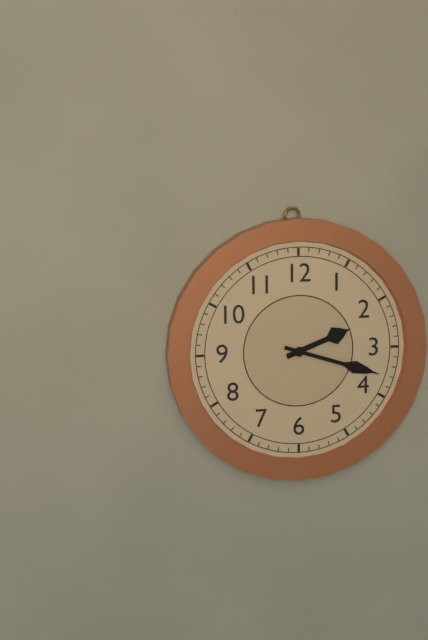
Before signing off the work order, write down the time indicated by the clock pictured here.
2:18
